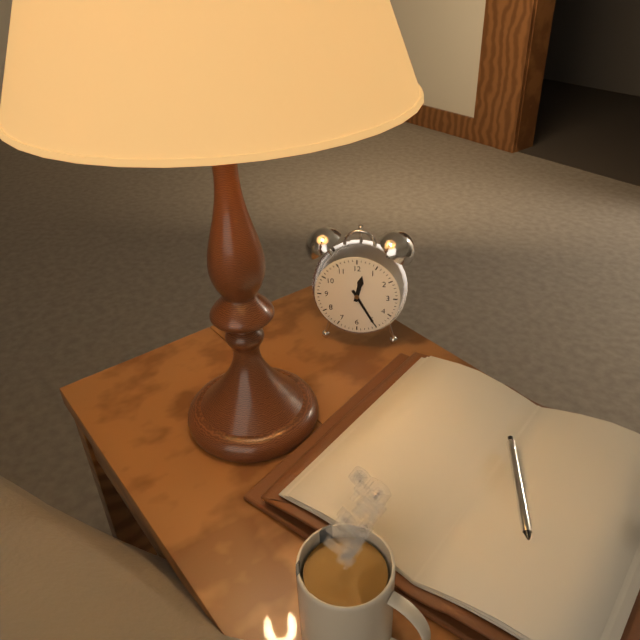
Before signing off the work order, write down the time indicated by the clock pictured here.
12:25
